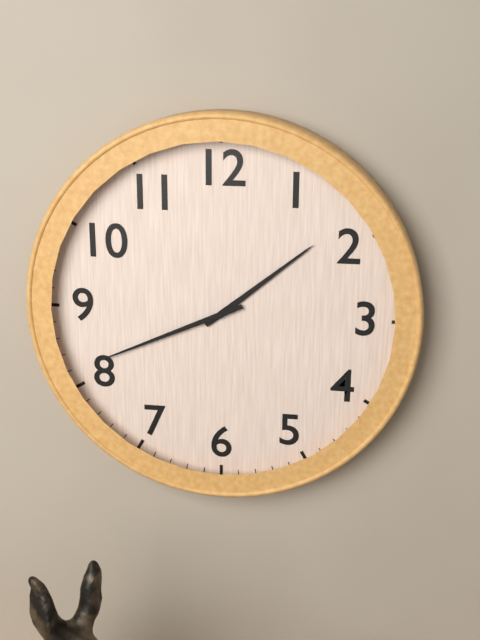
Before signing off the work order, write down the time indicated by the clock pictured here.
1:41
